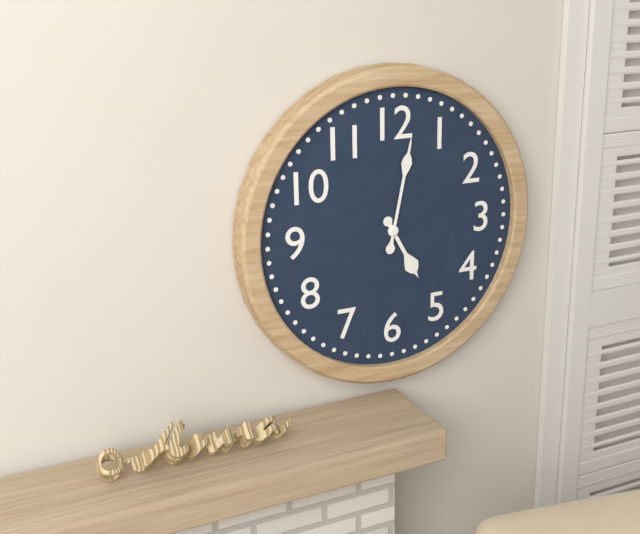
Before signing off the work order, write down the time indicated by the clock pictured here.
5:02
